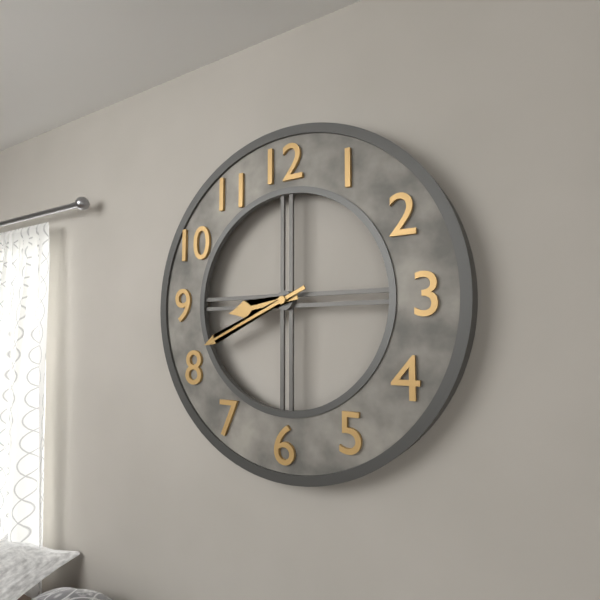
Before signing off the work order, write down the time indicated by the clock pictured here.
8:41
